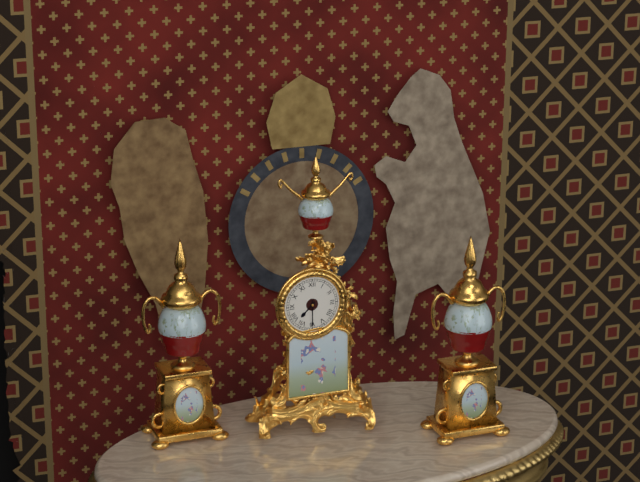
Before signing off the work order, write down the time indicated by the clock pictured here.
7:30
